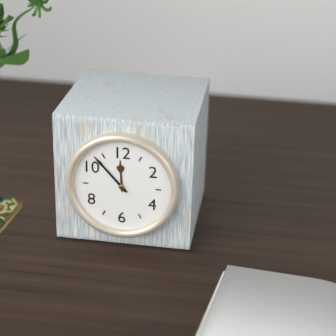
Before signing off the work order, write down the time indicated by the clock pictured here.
11:53
